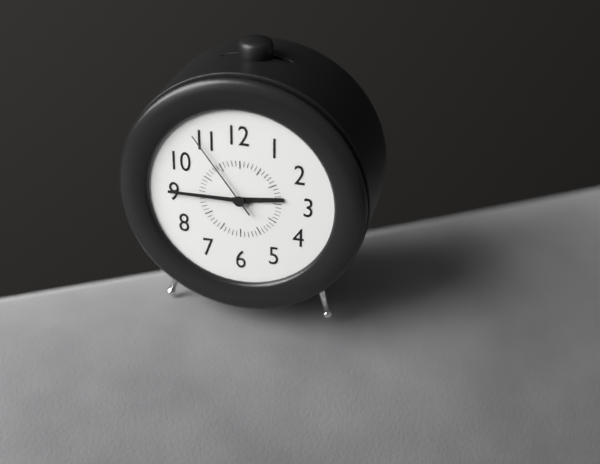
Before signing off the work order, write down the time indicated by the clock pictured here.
2:45:54
